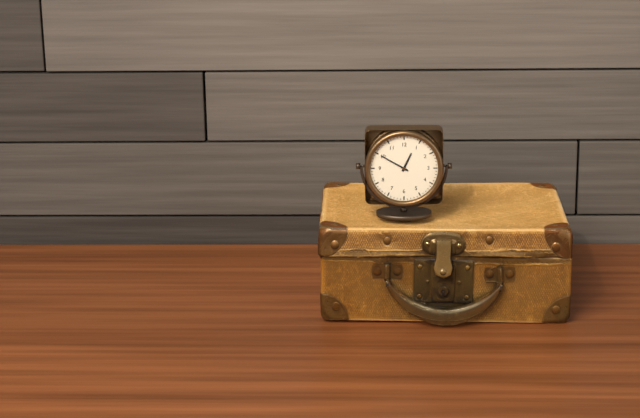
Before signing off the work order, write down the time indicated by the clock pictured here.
12:50
